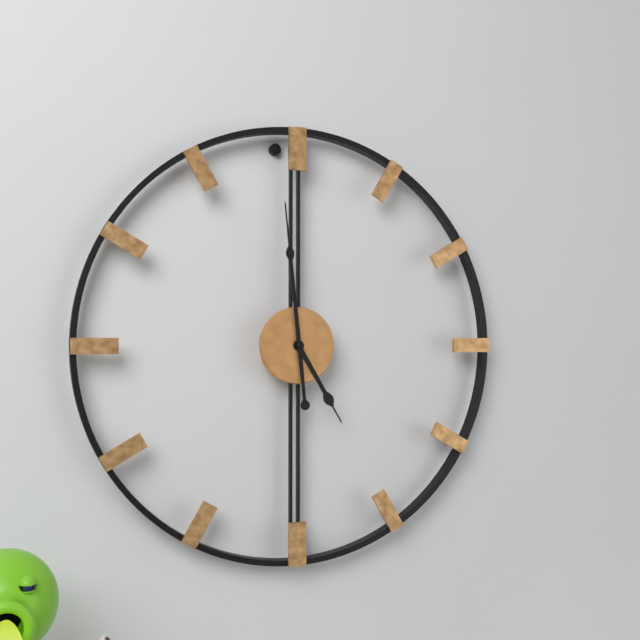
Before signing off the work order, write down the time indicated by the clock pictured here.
4:59
